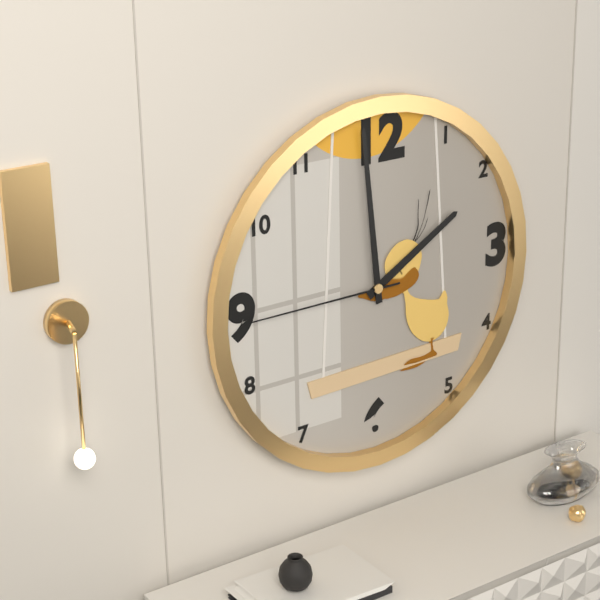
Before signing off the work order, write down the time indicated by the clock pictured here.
1:59:45
